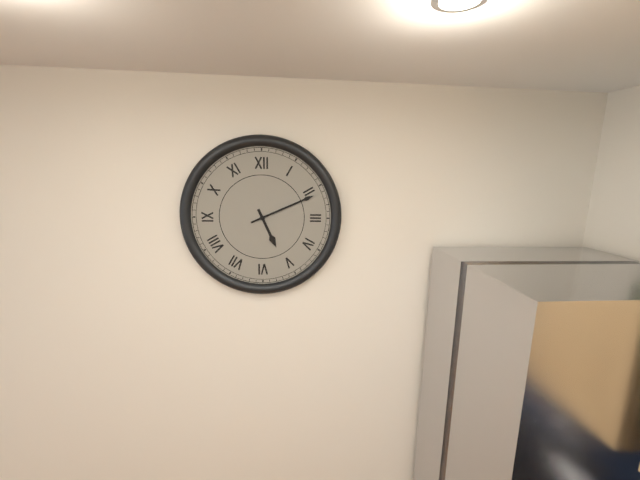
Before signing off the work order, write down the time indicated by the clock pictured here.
5:11
